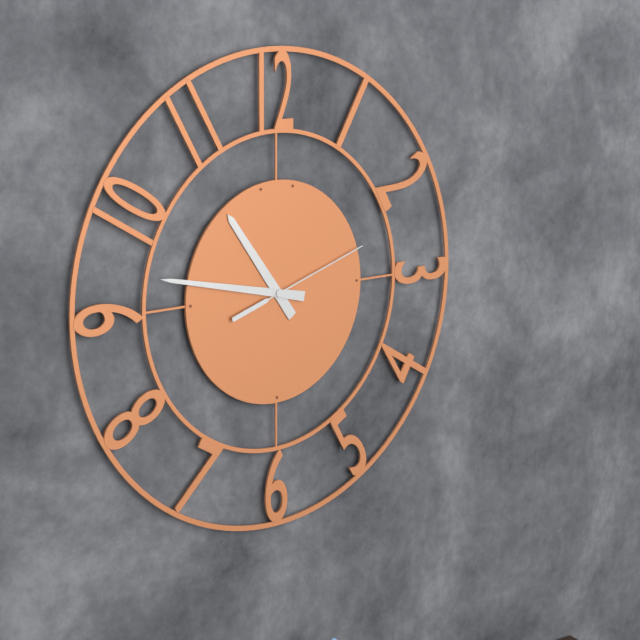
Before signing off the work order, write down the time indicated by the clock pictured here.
10:47:12
